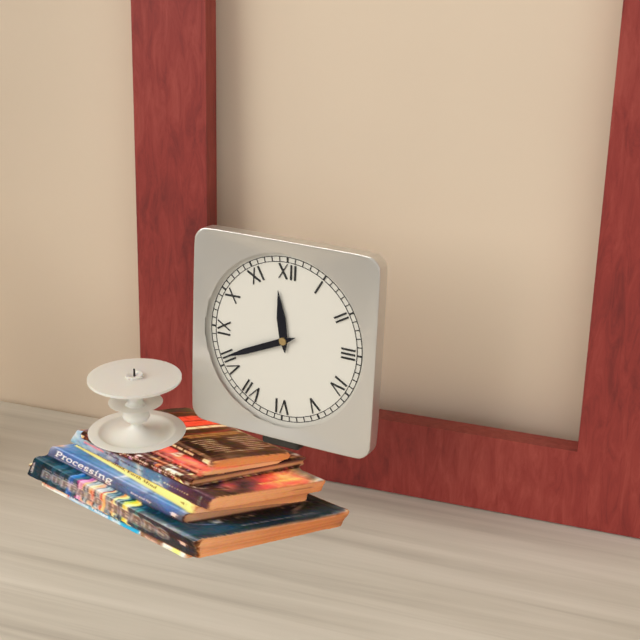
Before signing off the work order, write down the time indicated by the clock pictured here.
11:41
